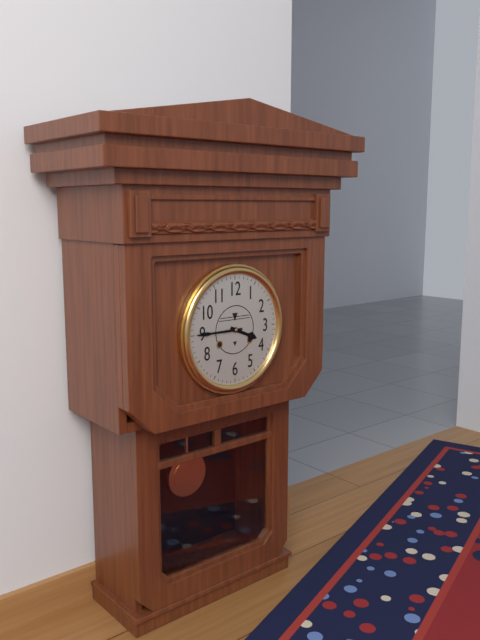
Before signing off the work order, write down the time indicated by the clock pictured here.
3:45
